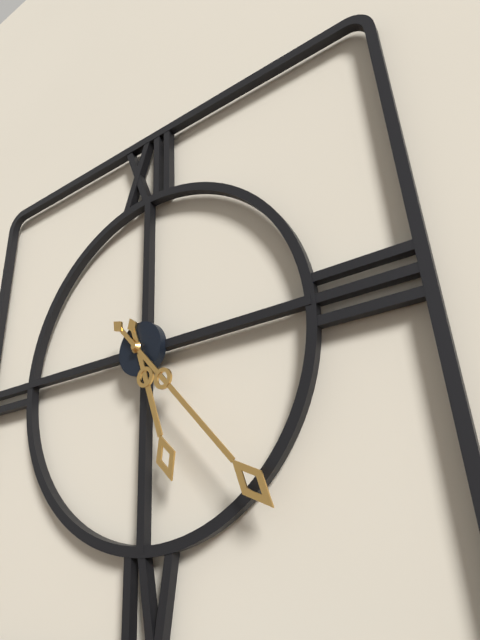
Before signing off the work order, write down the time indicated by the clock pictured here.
5:23
